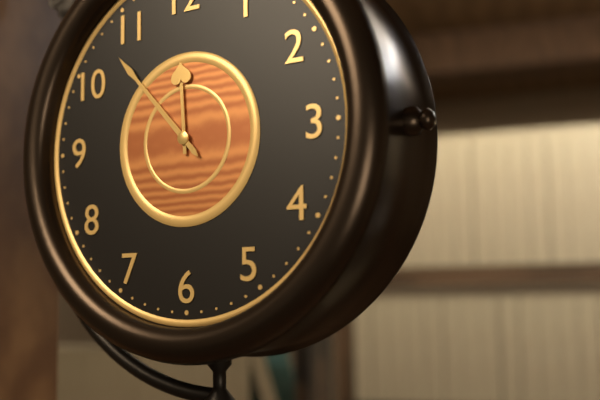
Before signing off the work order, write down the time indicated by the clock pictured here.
11:53
